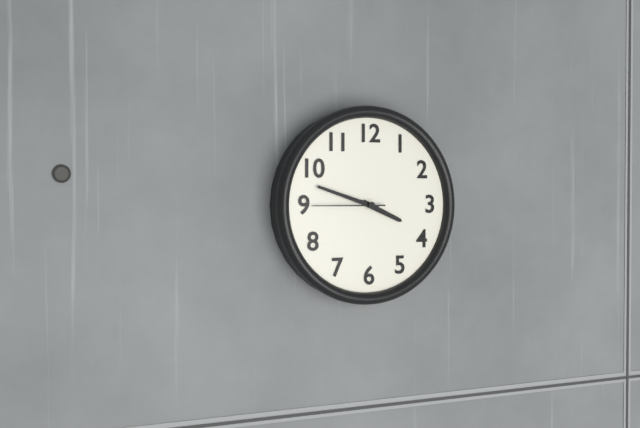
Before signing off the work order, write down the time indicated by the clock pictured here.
3:48:45
